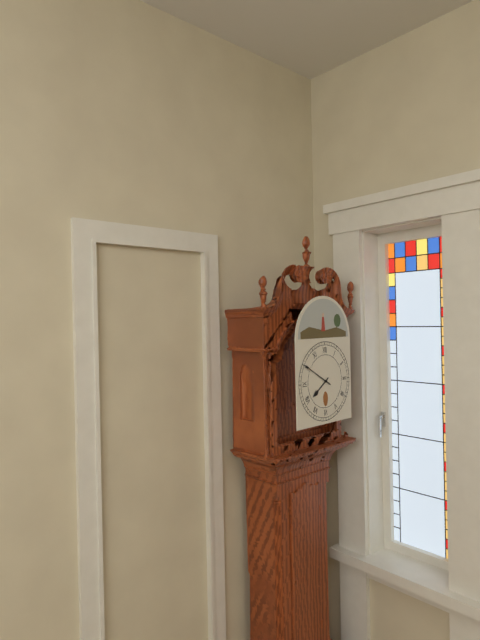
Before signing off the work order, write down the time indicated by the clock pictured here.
7:50
